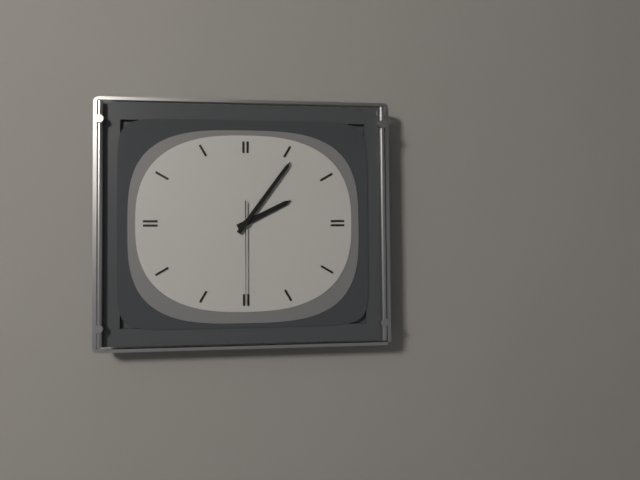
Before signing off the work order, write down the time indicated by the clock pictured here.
2:06:30
